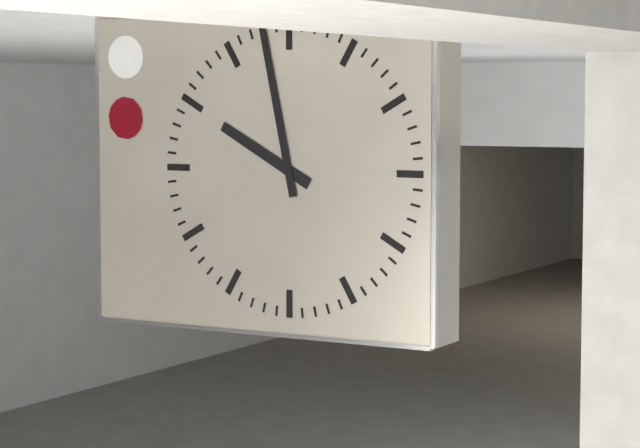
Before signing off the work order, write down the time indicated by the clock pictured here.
9:58
